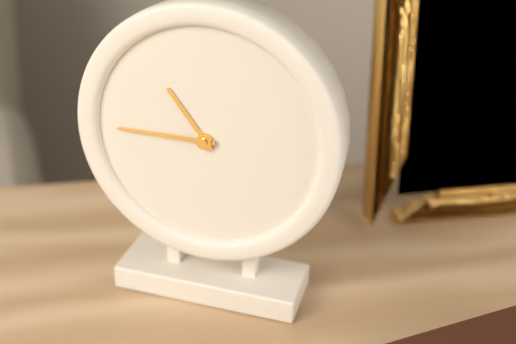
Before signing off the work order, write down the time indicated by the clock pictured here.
10:45
